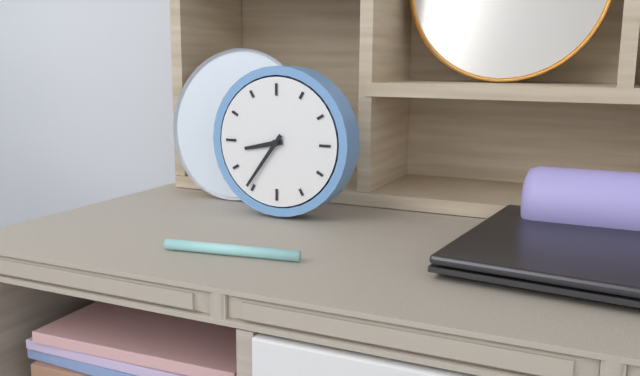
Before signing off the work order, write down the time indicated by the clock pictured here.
8:36
